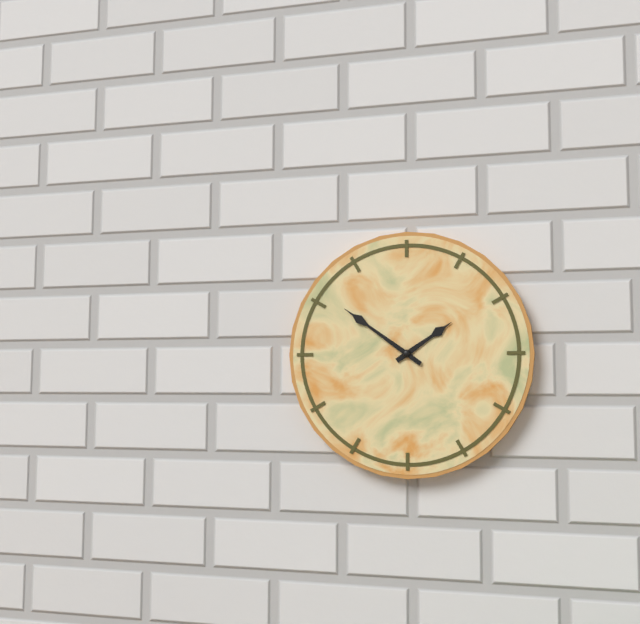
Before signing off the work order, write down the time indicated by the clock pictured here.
1:51
